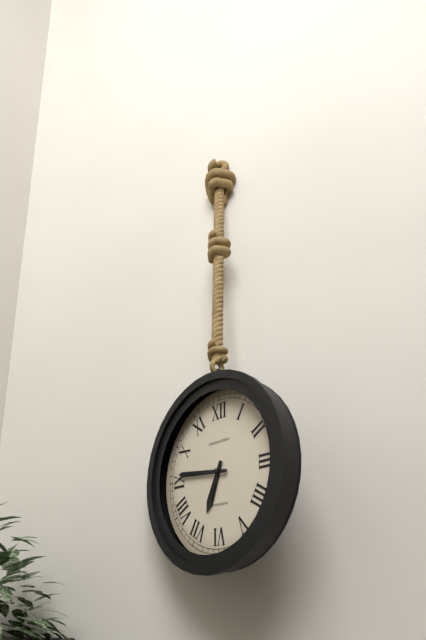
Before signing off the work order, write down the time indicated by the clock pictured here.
6:46
